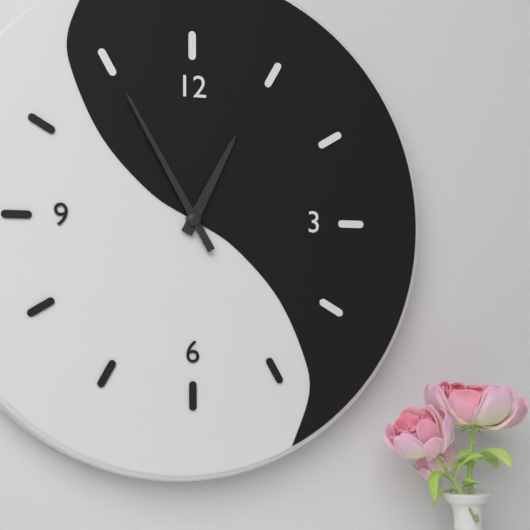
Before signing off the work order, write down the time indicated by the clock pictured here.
12:55
